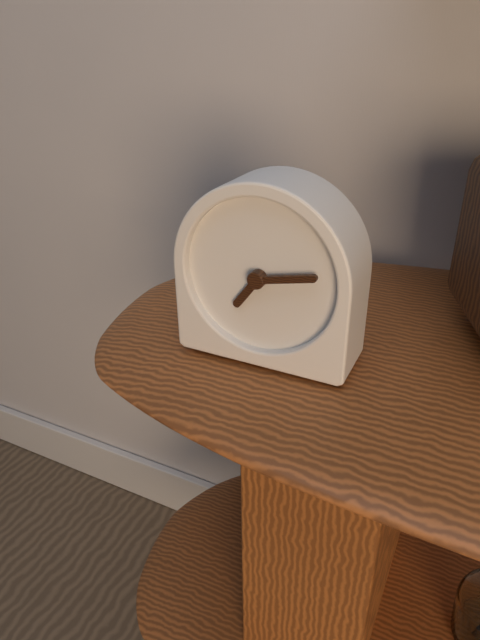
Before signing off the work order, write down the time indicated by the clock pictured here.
7:13
